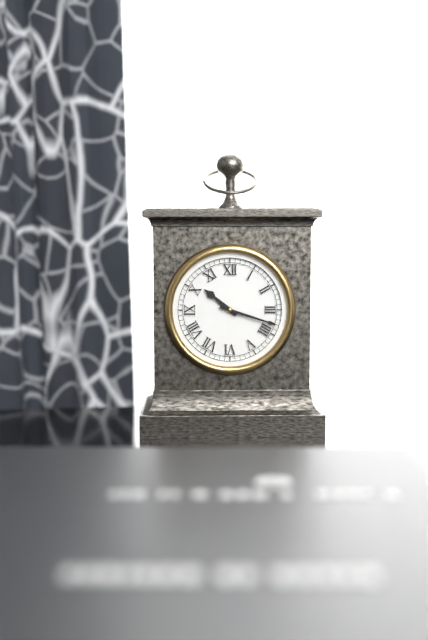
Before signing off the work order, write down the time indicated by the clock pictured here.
10:18
